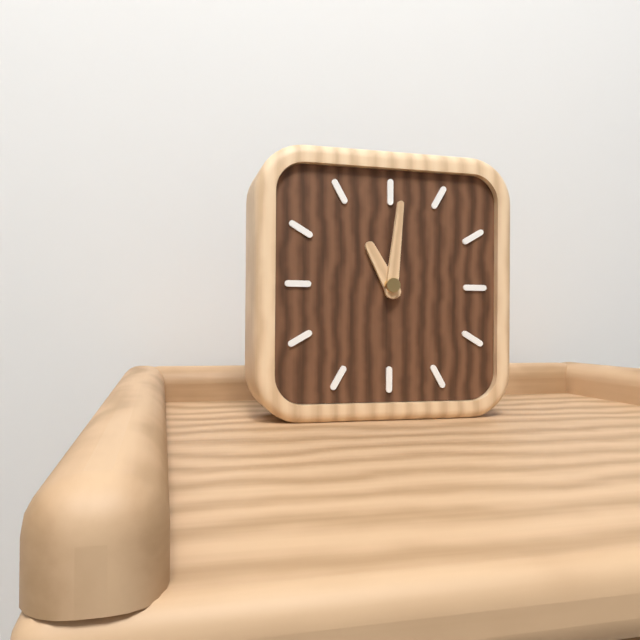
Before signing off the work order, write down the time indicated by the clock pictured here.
11:01
